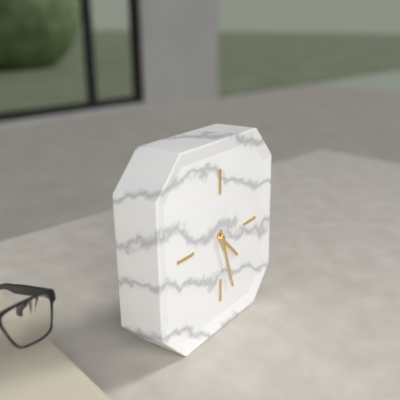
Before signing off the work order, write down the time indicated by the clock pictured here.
4:27
